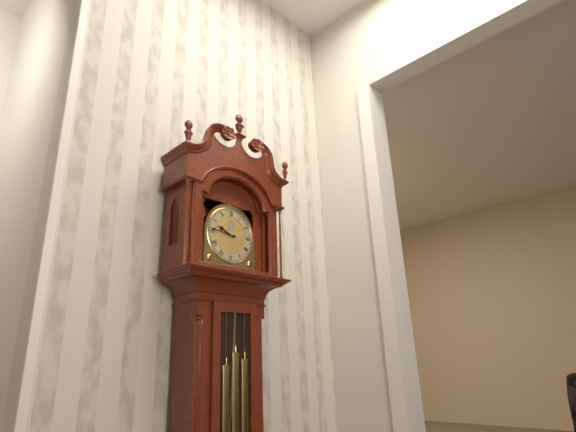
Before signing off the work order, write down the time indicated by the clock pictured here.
9:46
